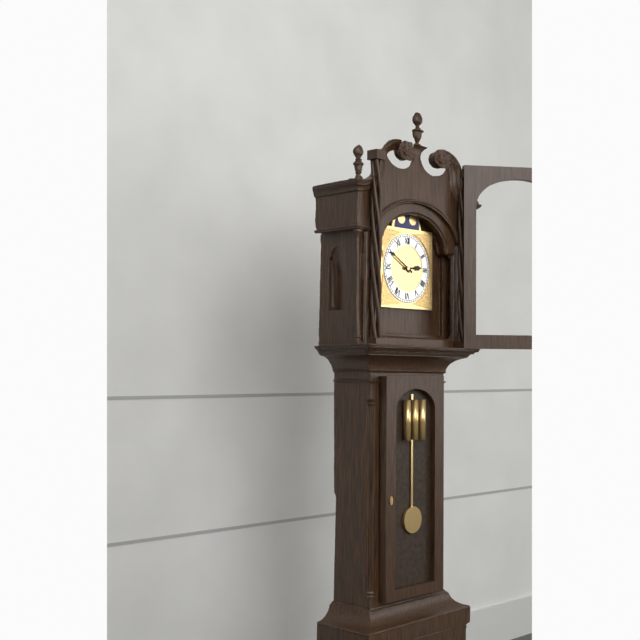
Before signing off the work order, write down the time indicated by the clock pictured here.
2:50
